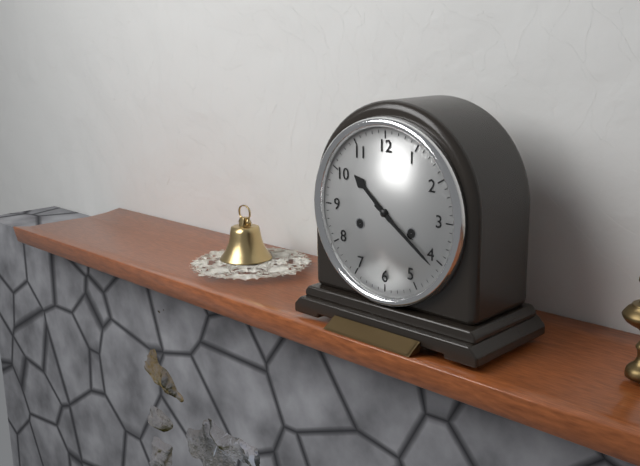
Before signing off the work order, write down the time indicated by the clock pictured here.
10:21
